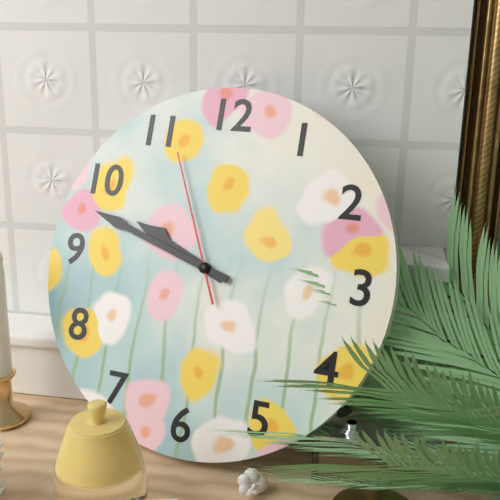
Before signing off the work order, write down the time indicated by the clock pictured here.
9:48:56
